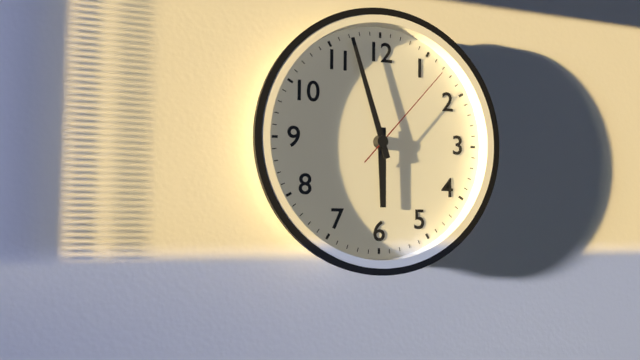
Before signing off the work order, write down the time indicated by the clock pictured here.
5:57:07
